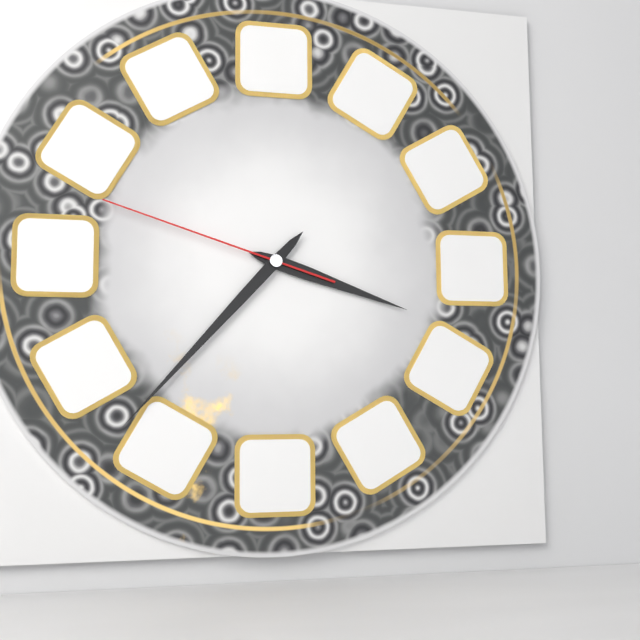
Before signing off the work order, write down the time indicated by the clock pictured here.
3:37:48
